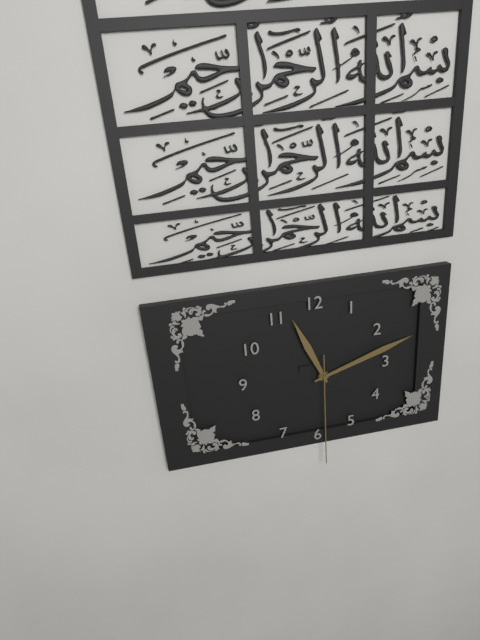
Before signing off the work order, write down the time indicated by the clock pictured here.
11:12:30
